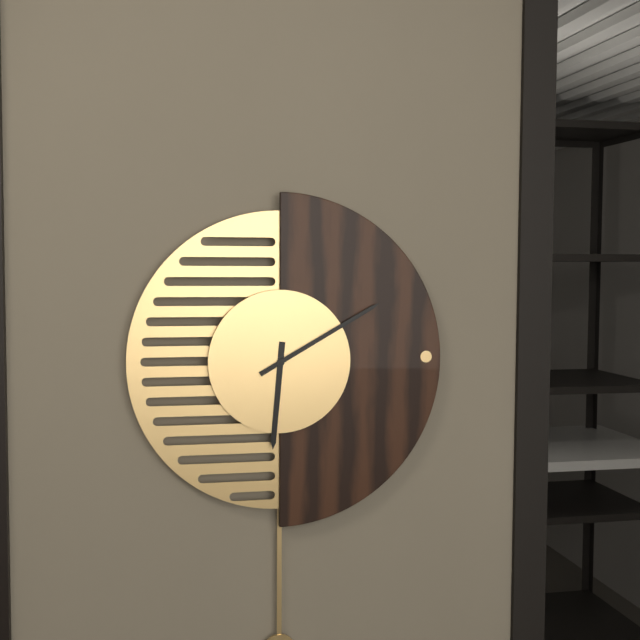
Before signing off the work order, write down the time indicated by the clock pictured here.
6:10
